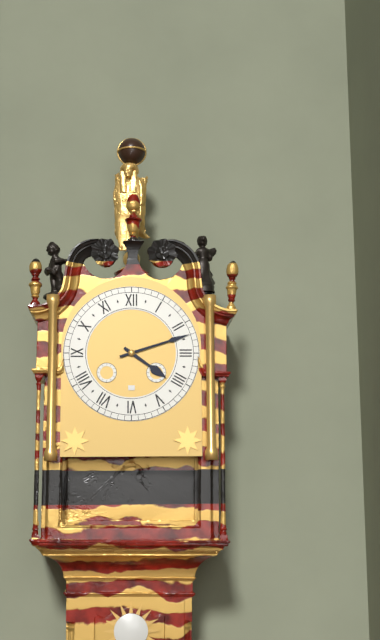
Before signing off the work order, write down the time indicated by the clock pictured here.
4:12
